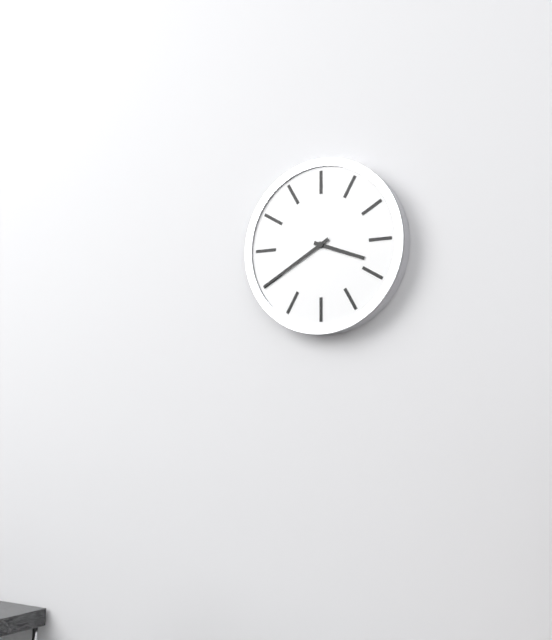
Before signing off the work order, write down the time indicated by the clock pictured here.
3:40
